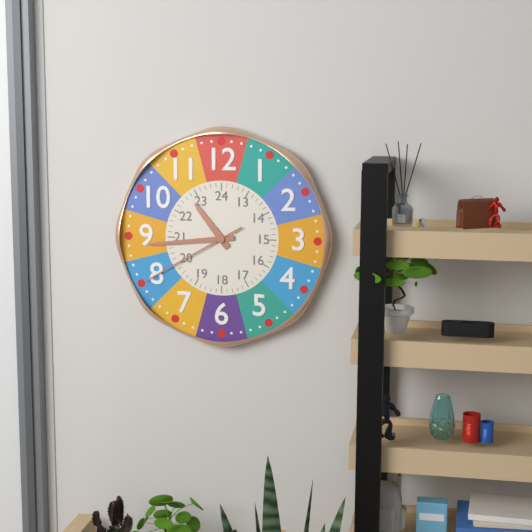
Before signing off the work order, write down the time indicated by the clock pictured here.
10:44:40
